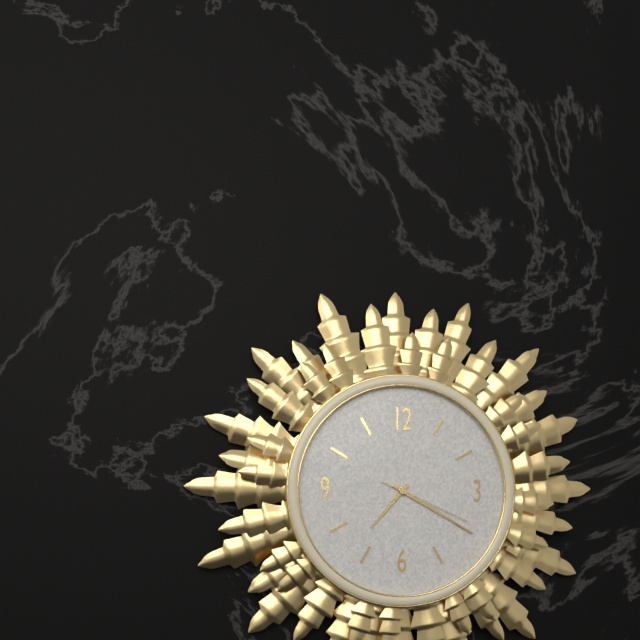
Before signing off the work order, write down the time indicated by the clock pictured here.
7:20:19
